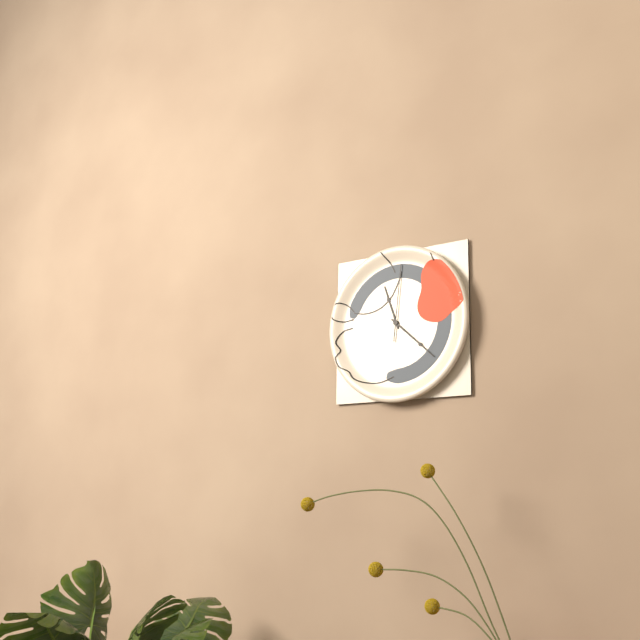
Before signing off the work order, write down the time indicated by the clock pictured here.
11:22:01
